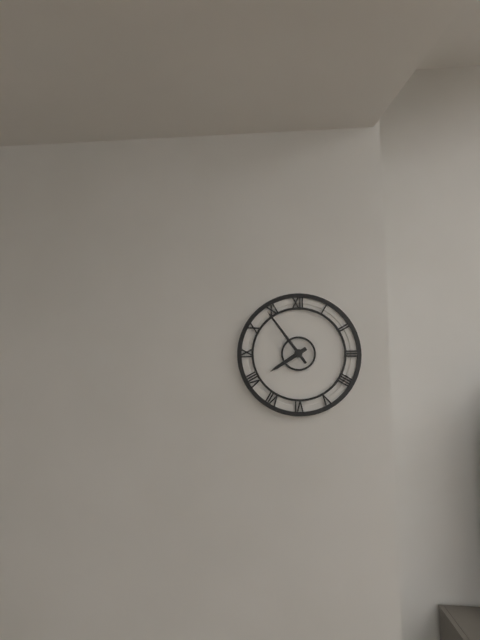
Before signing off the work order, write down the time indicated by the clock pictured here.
7:54
